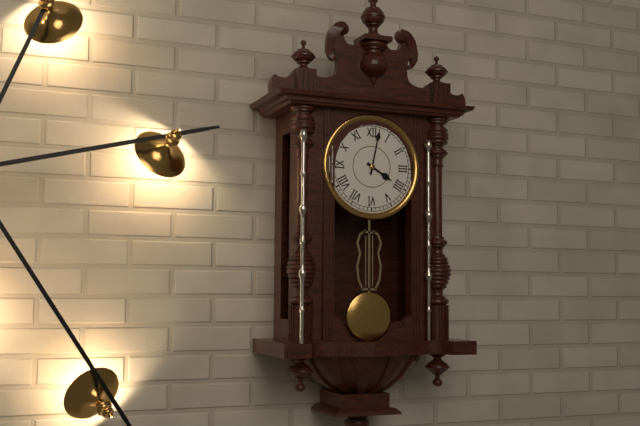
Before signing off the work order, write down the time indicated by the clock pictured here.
4:02
